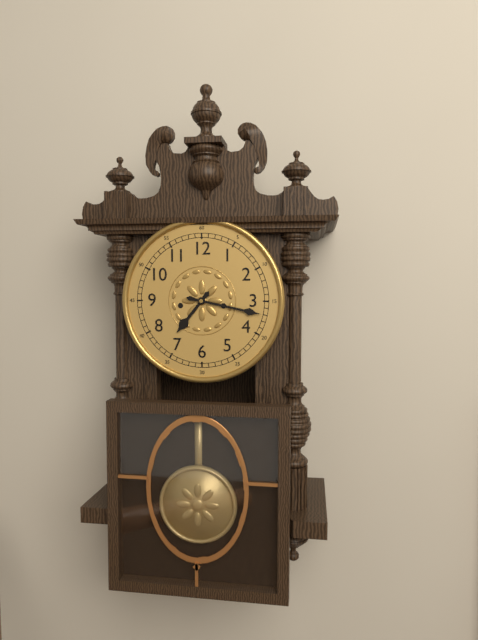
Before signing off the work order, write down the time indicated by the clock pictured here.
7:17
